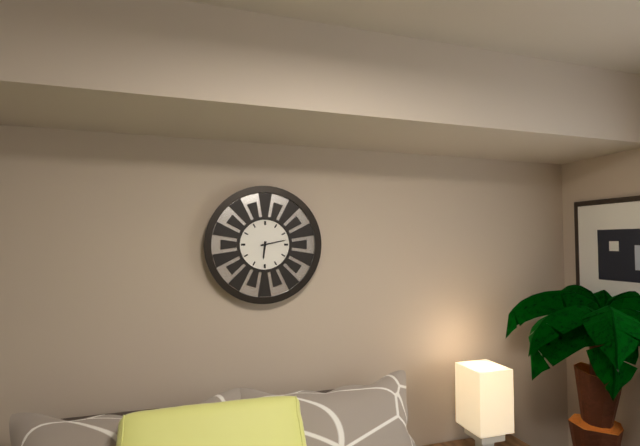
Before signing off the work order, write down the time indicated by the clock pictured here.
6:13
